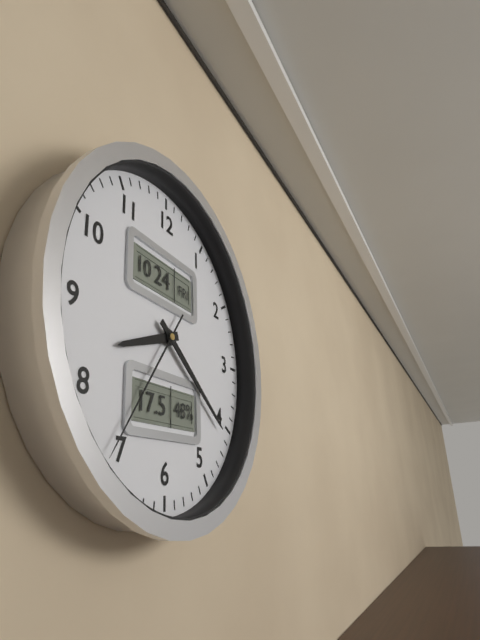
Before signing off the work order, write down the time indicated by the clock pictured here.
8:21:36
